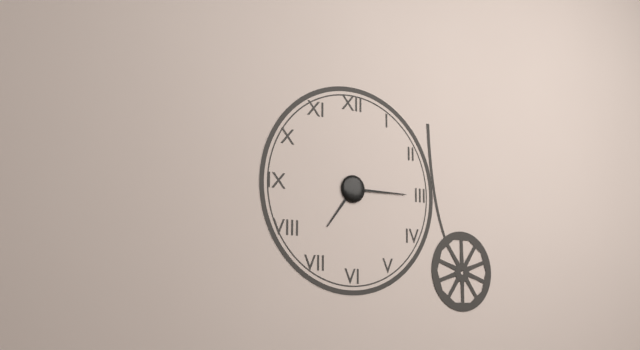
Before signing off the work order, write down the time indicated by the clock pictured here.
7:15
